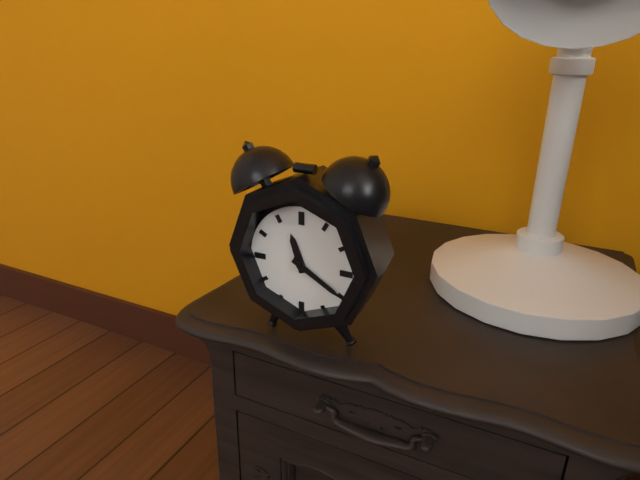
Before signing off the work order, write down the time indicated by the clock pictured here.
11:20
